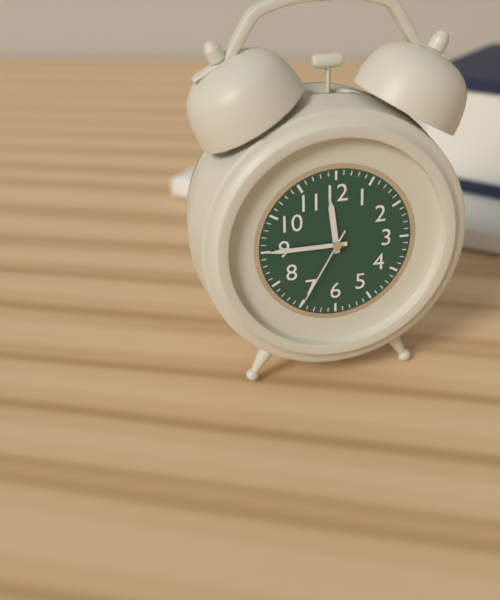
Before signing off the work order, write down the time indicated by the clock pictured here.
11:45:35
